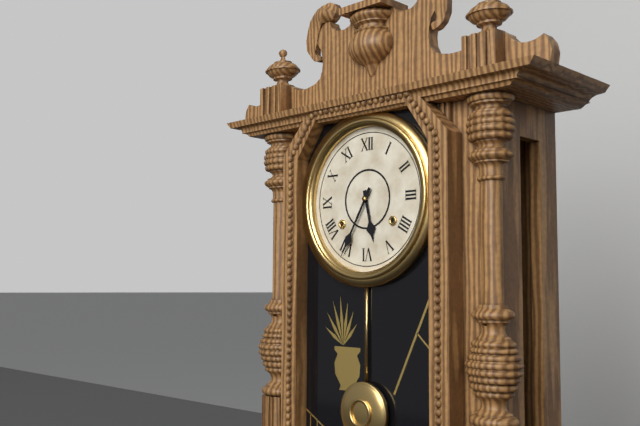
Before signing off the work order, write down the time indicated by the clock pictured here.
5:35
